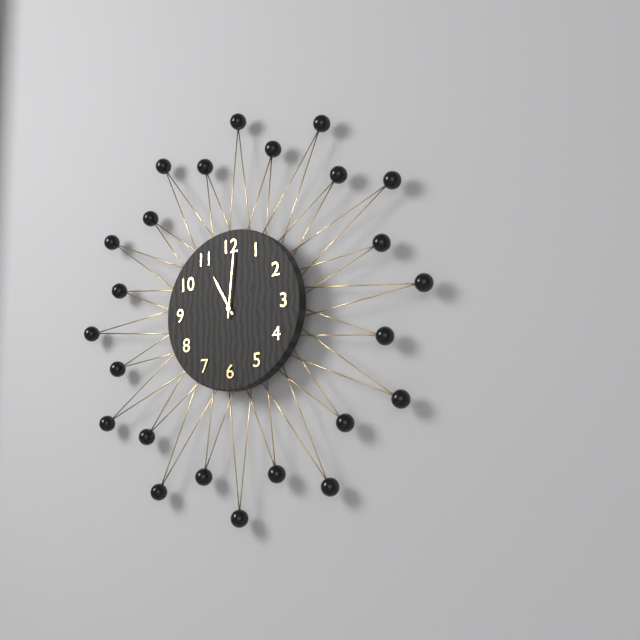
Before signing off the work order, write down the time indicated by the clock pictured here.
11:01
